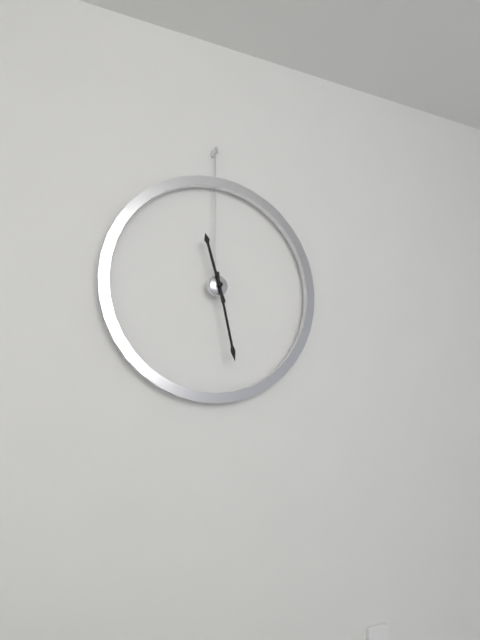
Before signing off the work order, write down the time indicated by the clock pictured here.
11:28
